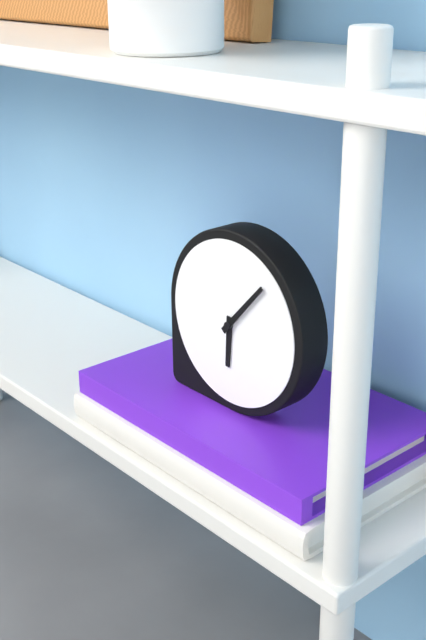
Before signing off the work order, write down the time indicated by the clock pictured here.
6:07
